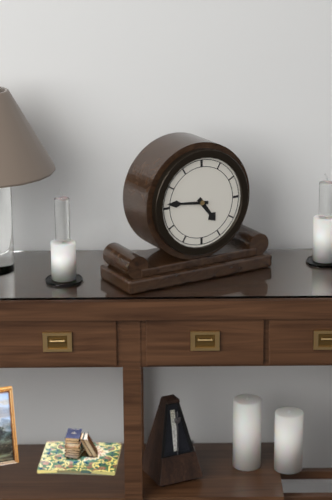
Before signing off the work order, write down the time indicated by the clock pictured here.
4:46
